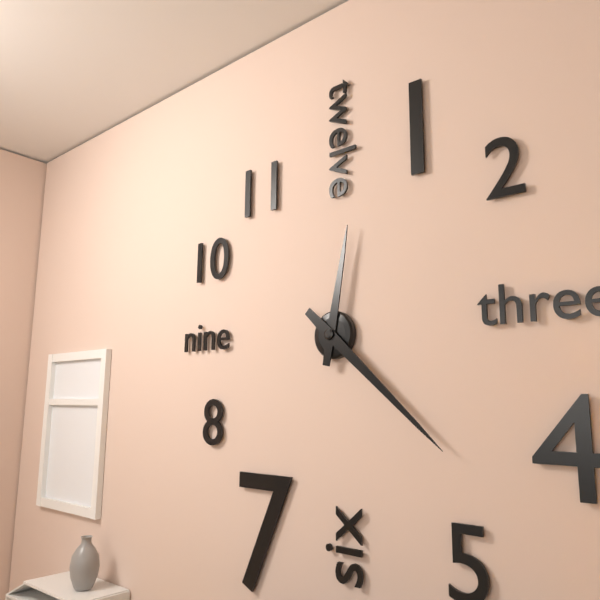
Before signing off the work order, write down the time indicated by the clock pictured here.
12:22
